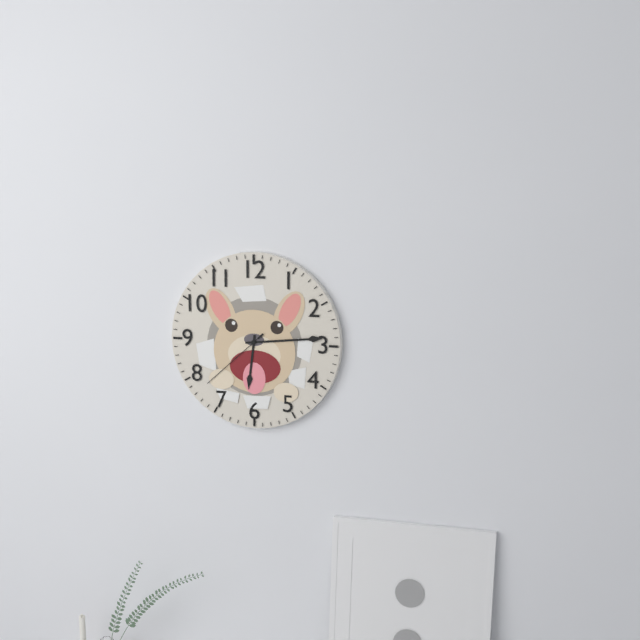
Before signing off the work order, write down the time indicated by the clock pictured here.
6:14:38
